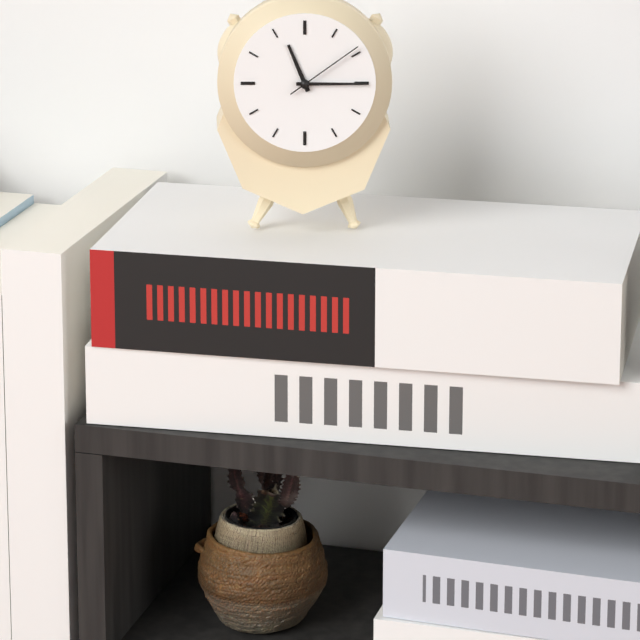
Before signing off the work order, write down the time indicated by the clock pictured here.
11:15:09
